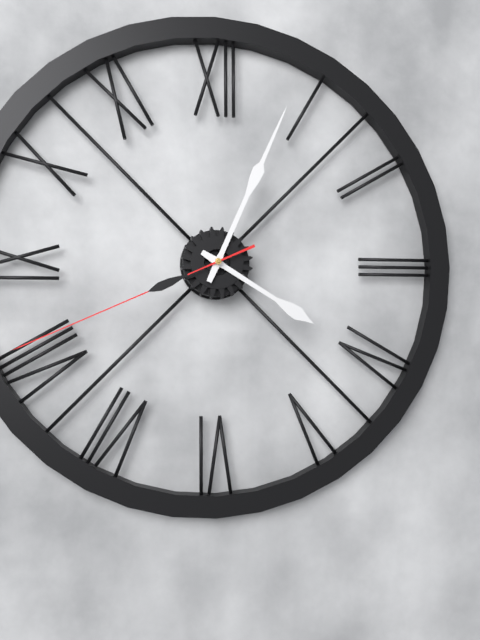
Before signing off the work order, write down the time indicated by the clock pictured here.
4:04:41
